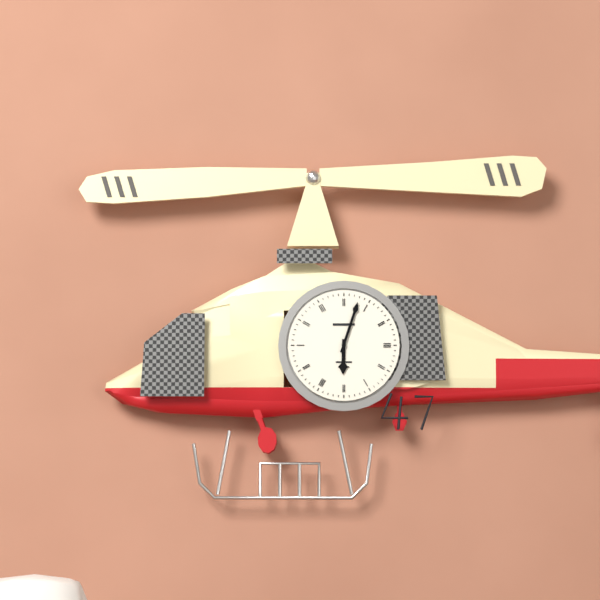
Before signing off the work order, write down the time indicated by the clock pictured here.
6:03
